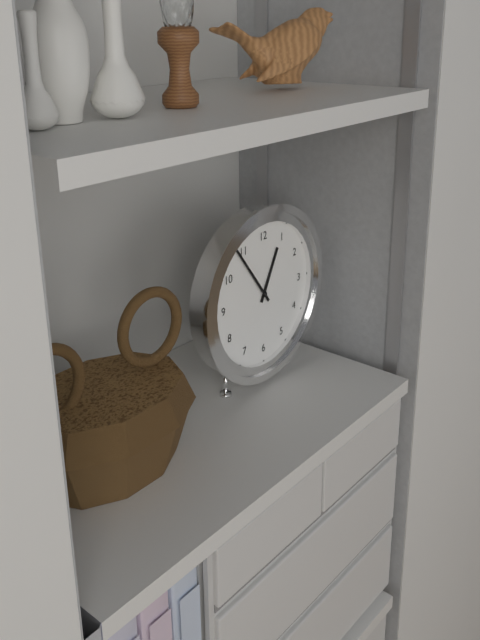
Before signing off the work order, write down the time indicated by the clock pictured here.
12:54
